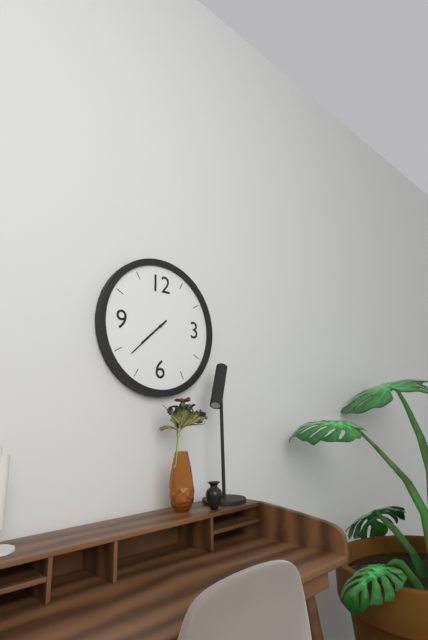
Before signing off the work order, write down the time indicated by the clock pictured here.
7:38
